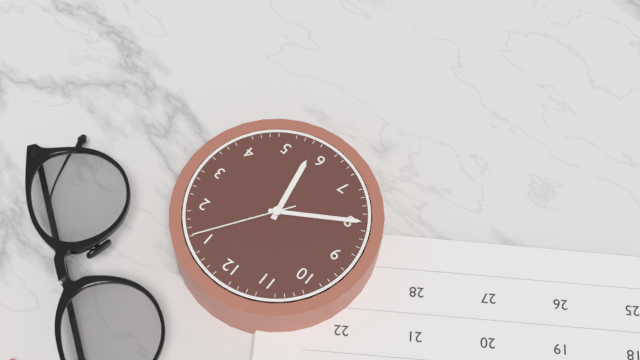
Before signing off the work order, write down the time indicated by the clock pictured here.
5:40:06
